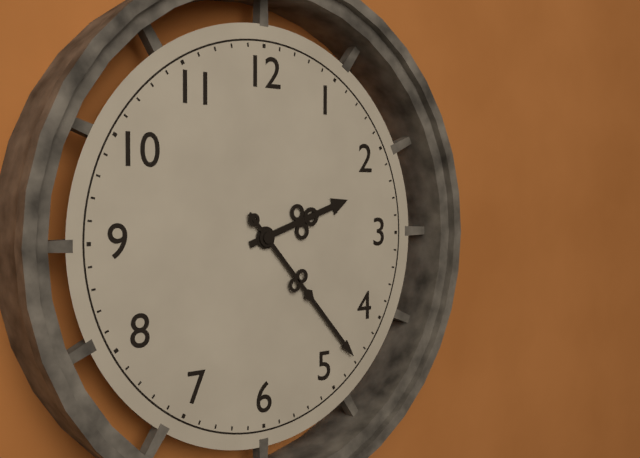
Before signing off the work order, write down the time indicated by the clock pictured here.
2:23
